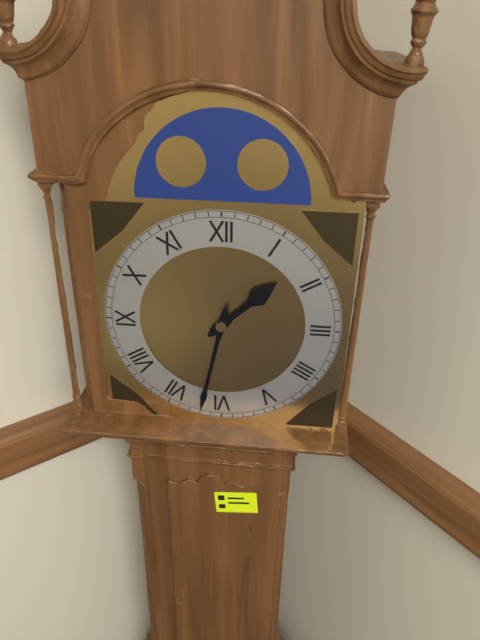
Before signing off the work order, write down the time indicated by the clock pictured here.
1:32
